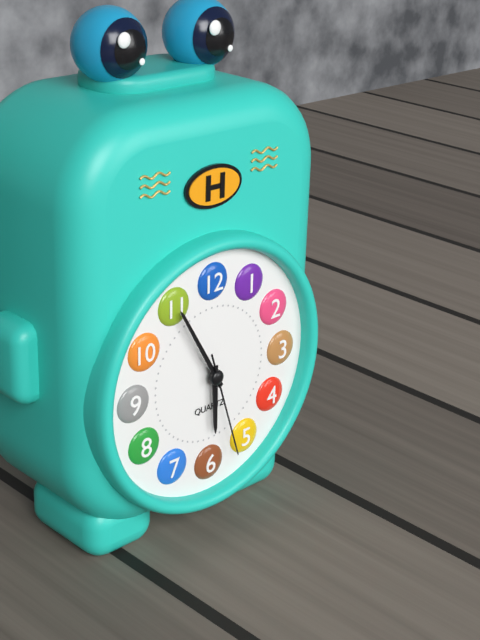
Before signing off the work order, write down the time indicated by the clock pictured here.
5:55:27
